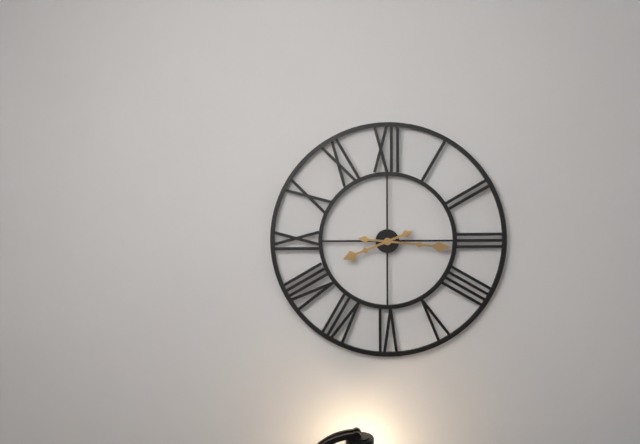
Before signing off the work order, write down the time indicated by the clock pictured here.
8:16
